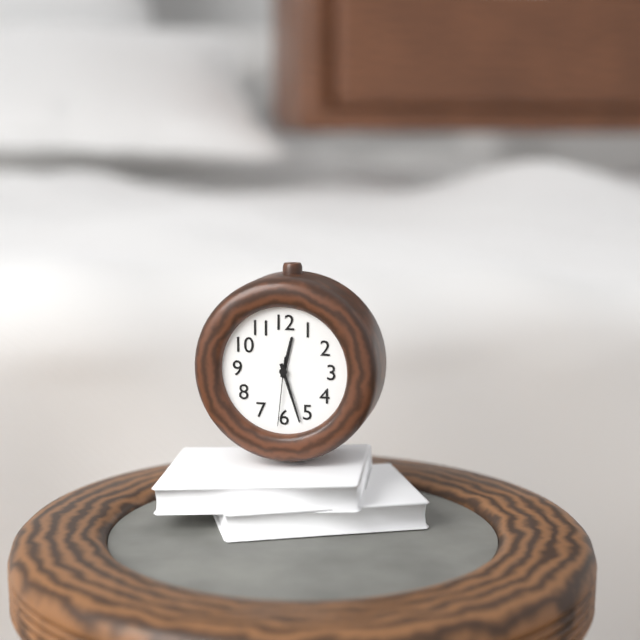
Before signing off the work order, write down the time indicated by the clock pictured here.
12:27:31
